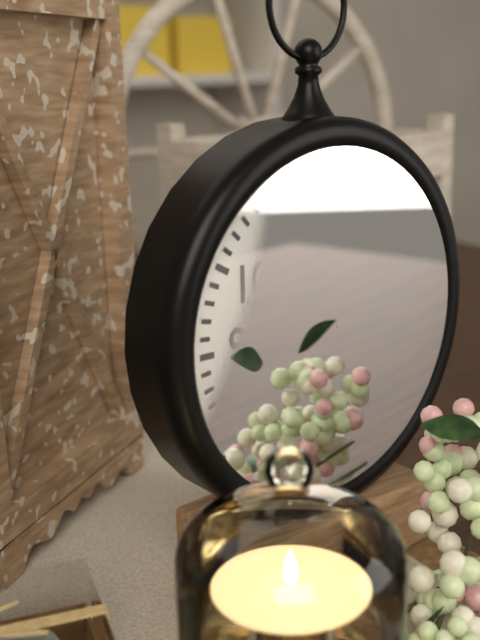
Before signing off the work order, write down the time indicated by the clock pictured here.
6:05
